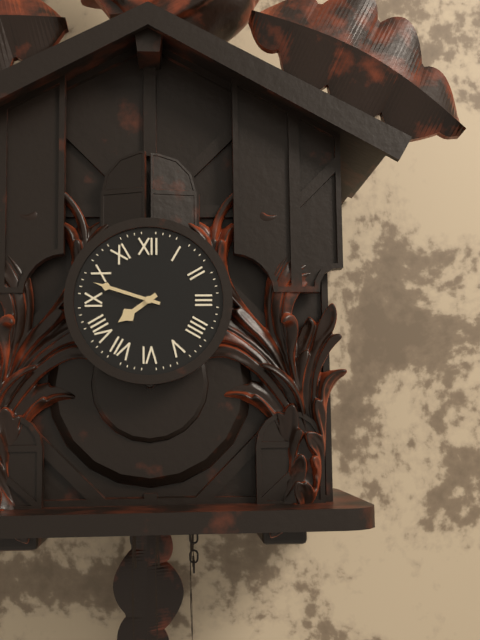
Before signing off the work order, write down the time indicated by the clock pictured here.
7:48
